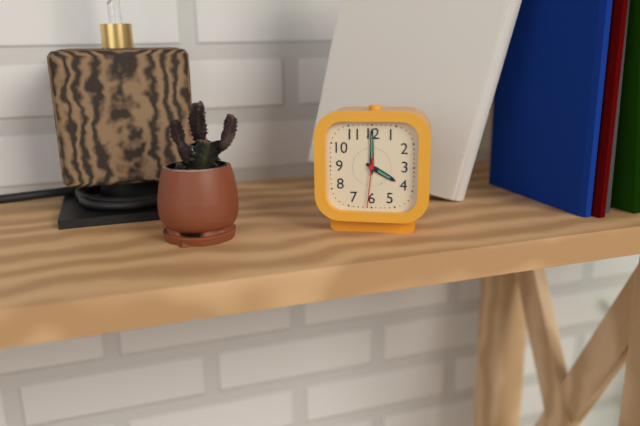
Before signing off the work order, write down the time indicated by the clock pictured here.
4:00:31
